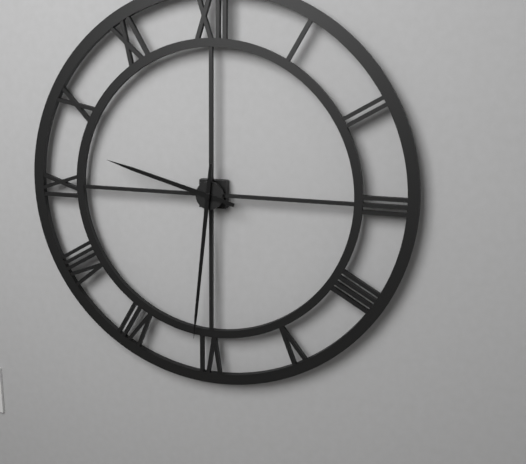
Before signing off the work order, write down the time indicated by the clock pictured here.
9:31
